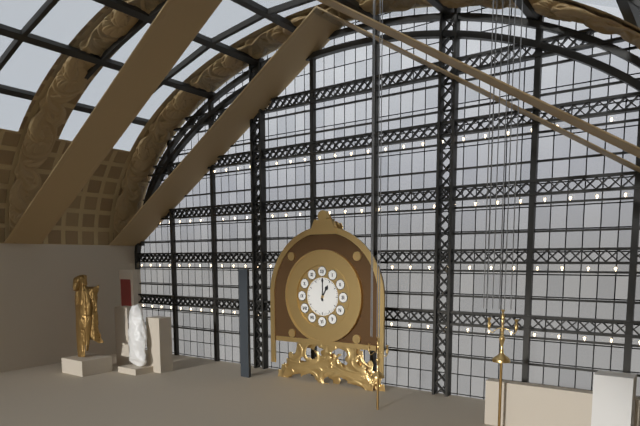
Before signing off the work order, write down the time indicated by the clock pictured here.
1:00
